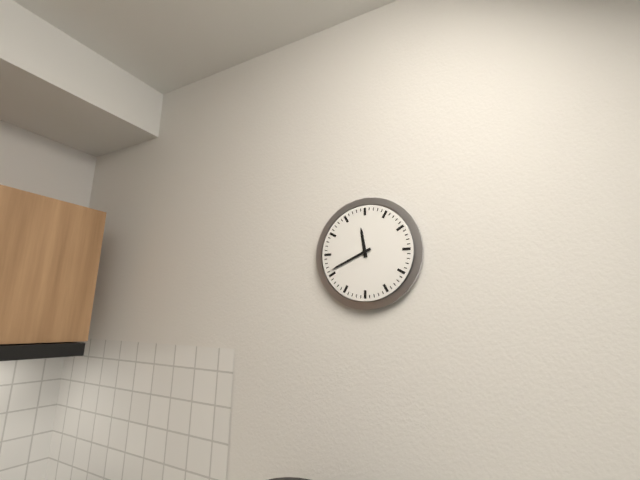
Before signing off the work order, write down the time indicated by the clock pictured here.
11:41
